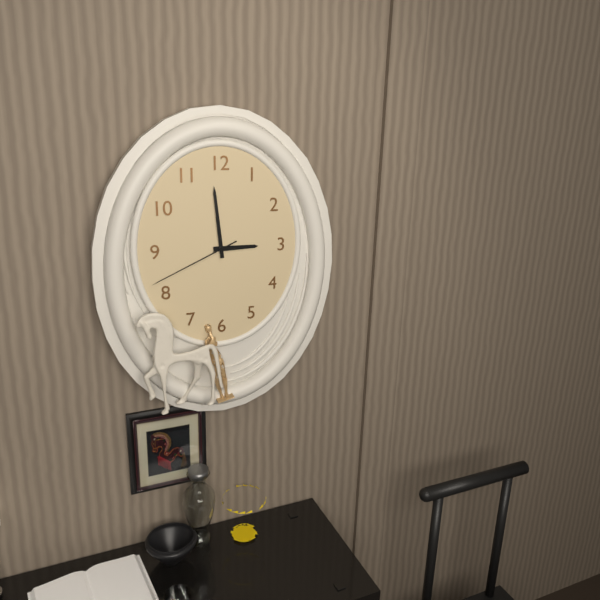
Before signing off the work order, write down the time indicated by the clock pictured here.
2:59:41
